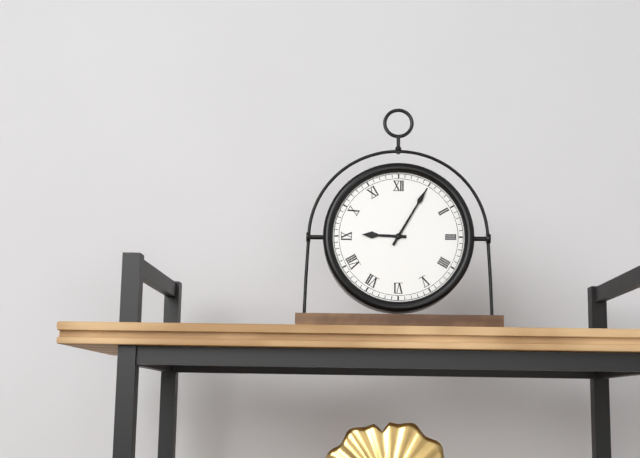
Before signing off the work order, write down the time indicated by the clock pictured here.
9:05
